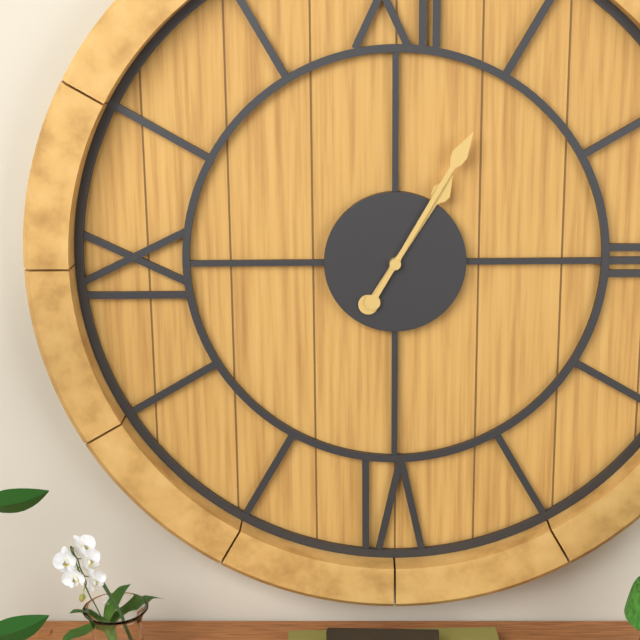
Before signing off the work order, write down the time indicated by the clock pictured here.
1:05
